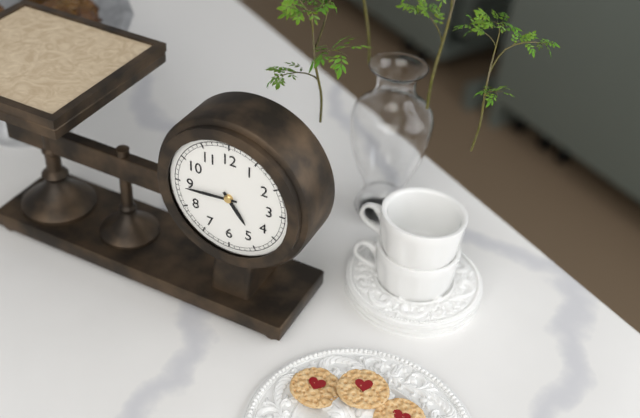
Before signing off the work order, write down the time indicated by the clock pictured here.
4:44
